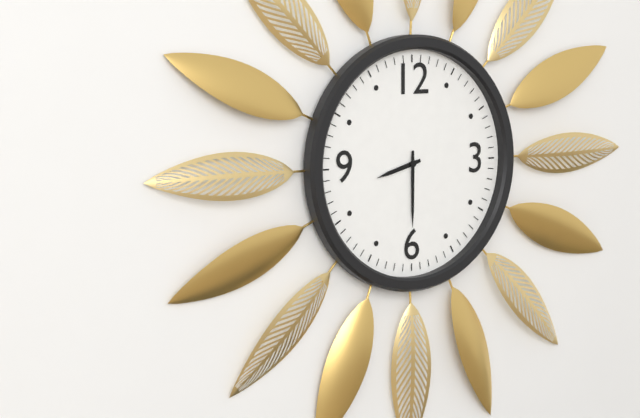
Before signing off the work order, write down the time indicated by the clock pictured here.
8:30
